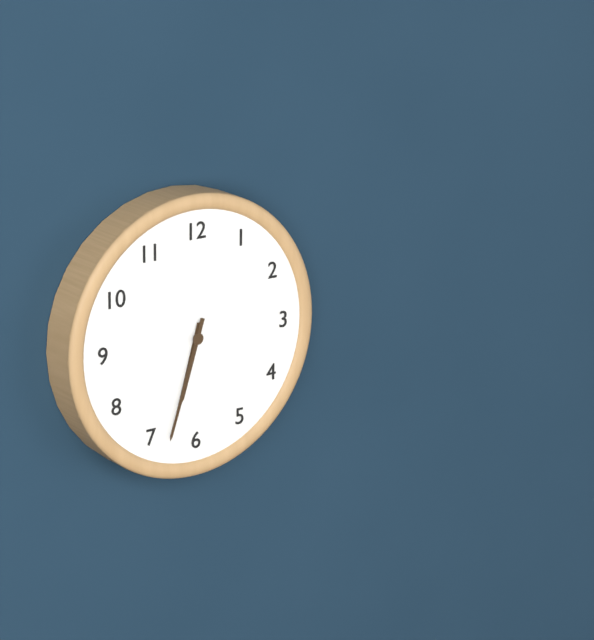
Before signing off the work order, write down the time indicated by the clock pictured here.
6:33
